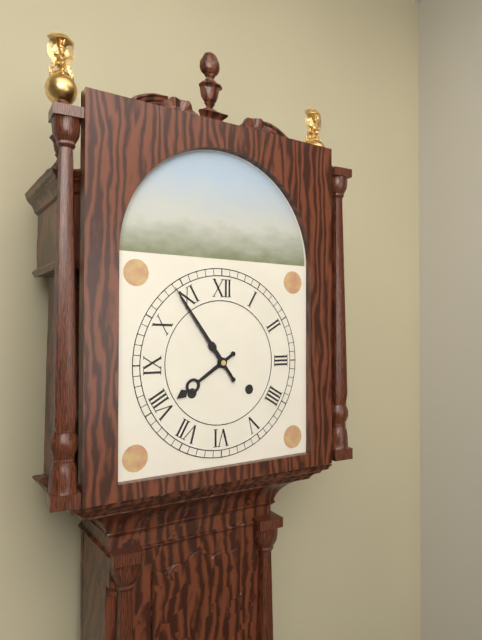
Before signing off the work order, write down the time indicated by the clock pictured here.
7:54
